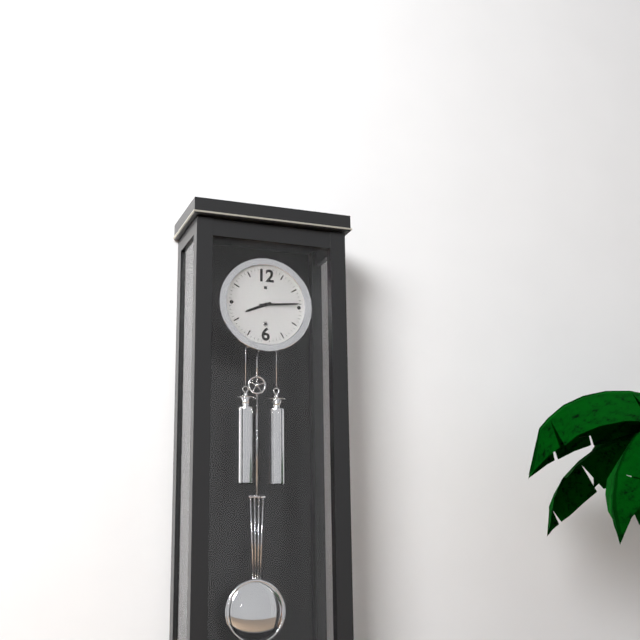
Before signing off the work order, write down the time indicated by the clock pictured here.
8:14
